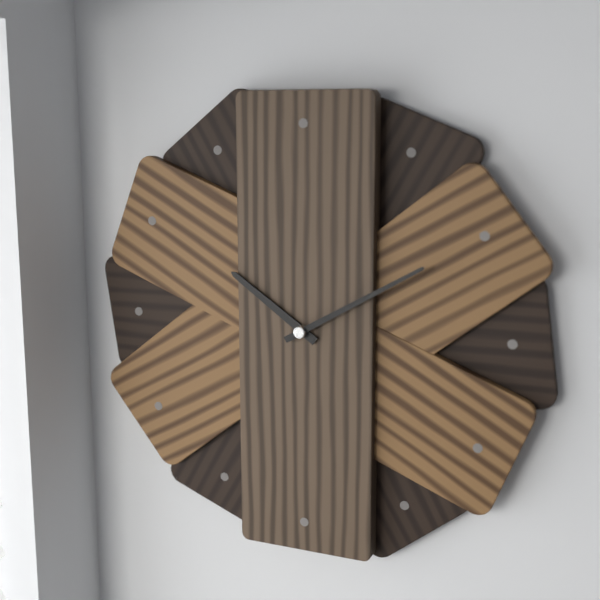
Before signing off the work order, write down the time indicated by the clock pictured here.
10:10
